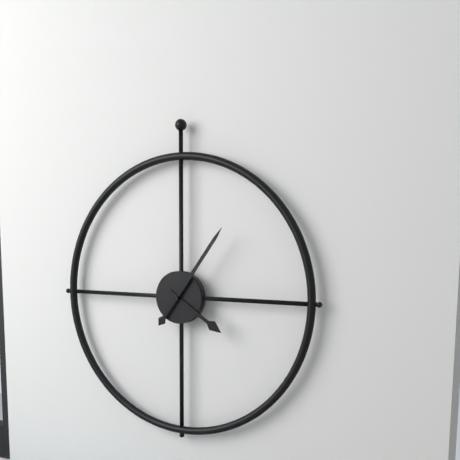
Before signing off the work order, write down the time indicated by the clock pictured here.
4:06
